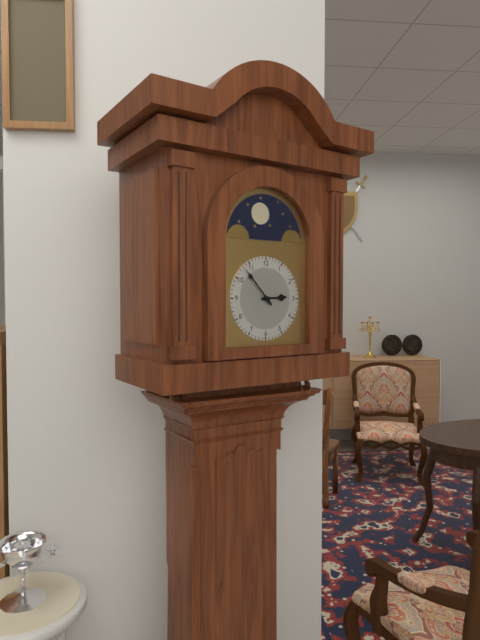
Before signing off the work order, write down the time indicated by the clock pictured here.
2:53
